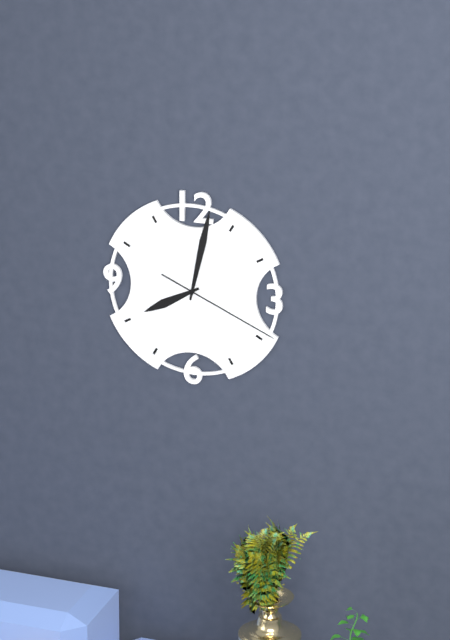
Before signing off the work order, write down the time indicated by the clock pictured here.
8:02:19
